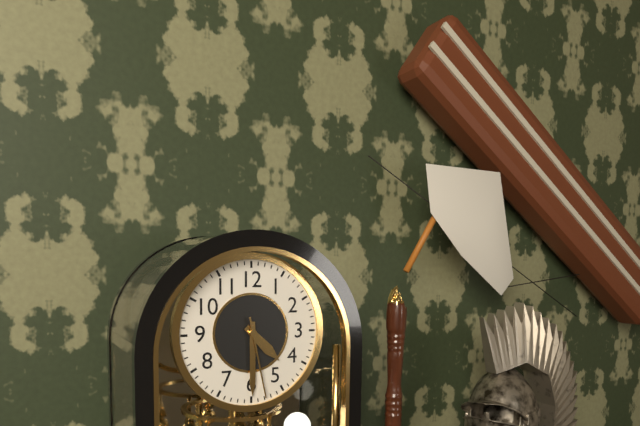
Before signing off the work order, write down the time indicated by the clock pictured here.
4:30:28
